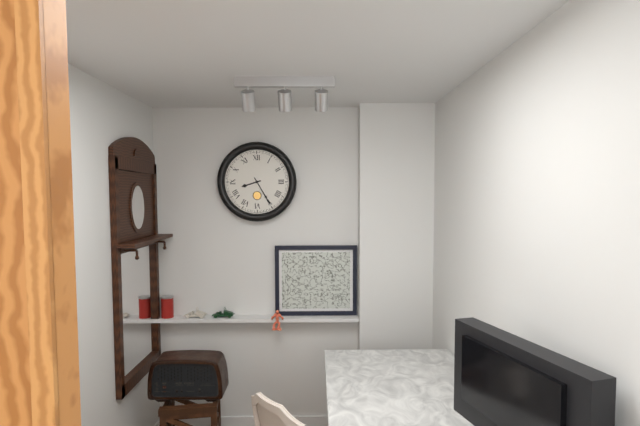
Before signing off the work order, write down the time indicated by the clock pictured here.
8:25
